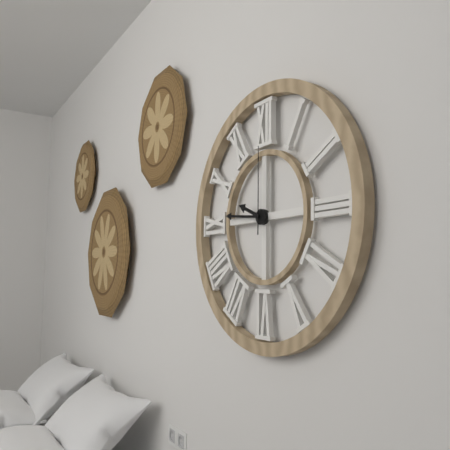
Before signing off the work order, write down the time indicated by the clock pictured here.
9:46:00
